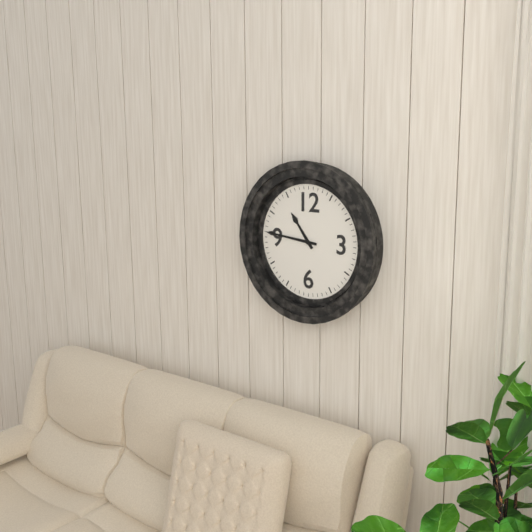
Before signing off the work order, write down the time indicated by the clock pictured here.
10:46
